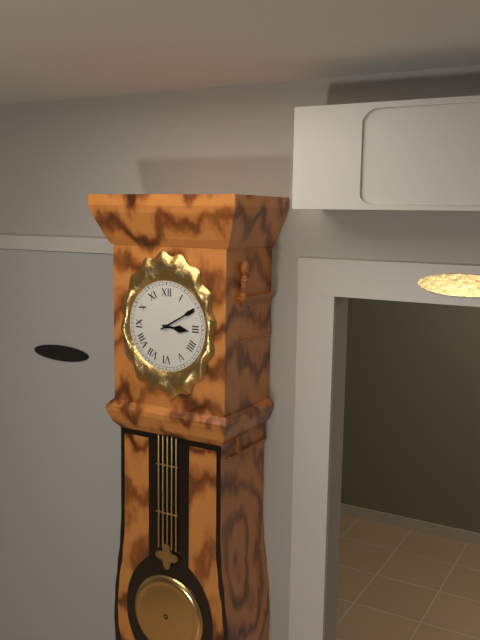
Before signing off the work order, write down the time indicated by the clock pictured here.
3:10
